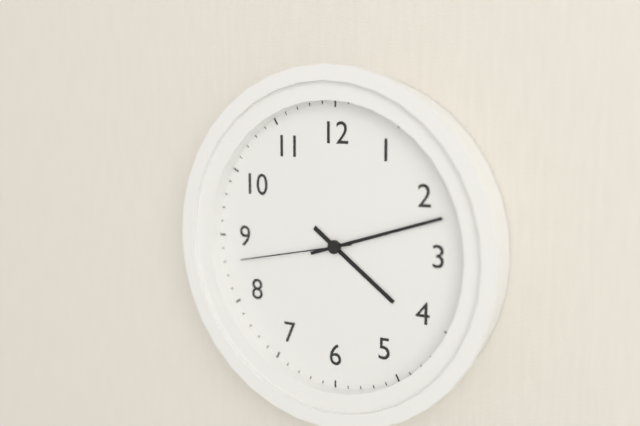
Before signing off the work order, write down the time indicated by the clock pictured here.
4:12:43
